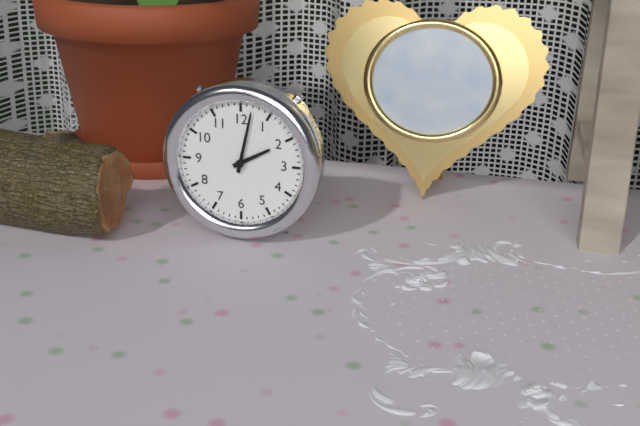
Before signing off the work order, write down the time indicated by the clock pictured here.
2:02
